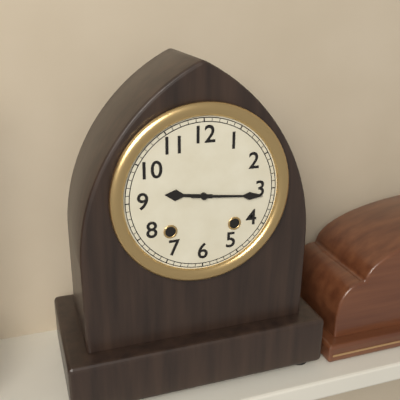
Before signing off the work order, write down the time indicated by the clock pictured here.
9:16
